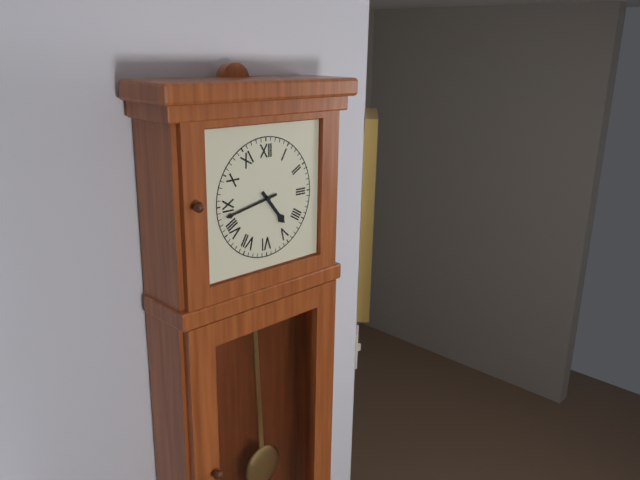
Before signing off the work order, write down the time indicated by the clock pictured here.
4:43
